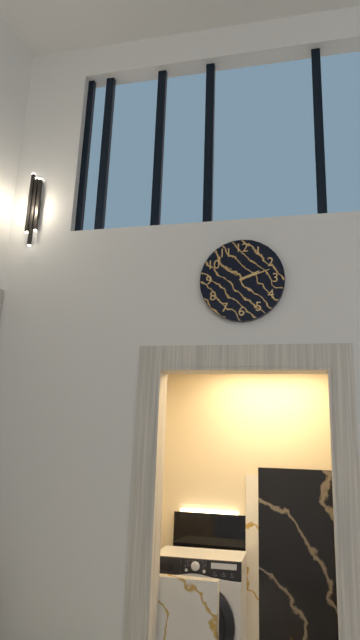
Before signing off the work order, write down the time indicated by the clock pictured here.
2:12
